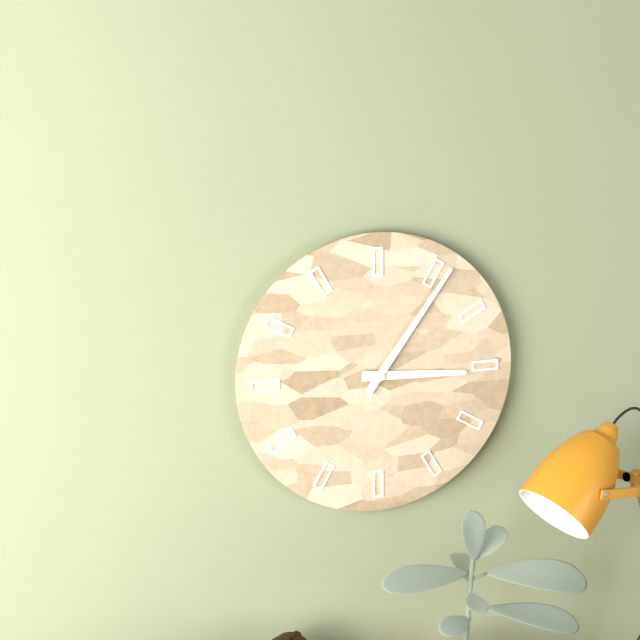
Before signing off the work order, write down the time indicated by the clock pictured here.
3:06
